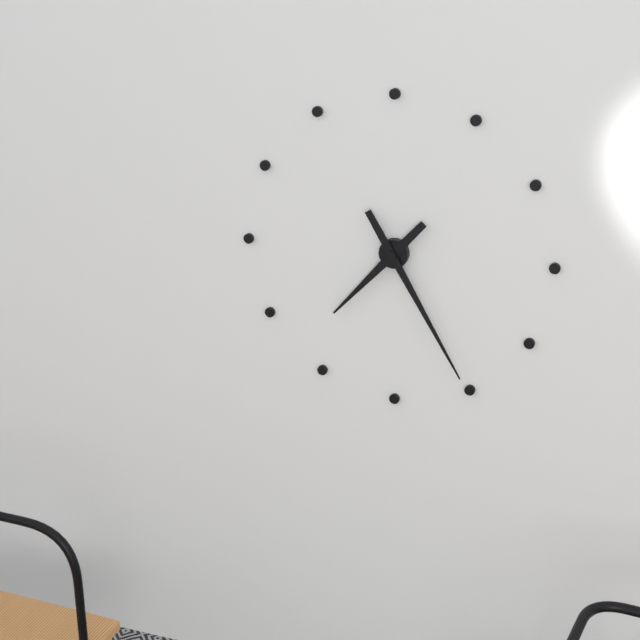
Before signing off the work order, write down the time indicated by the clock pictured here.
7:25
